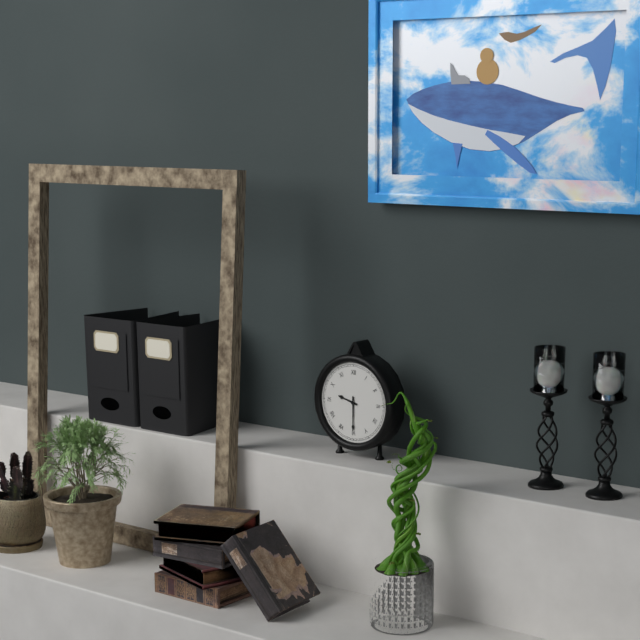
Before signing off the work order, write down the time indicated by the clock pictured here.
9:30
